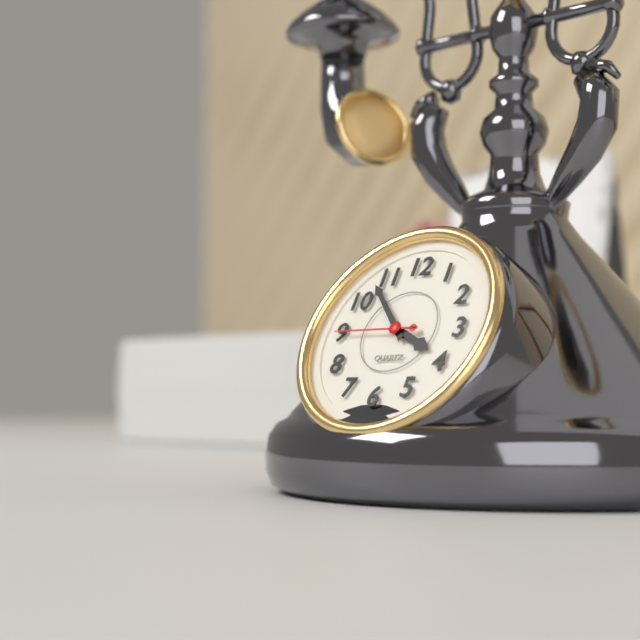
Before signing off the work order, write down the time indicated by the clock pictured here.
3:53:45
